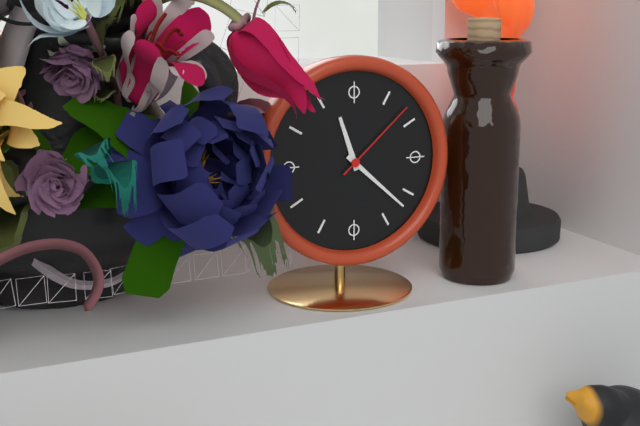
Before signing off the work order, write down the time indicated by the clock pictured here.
11:22:08
